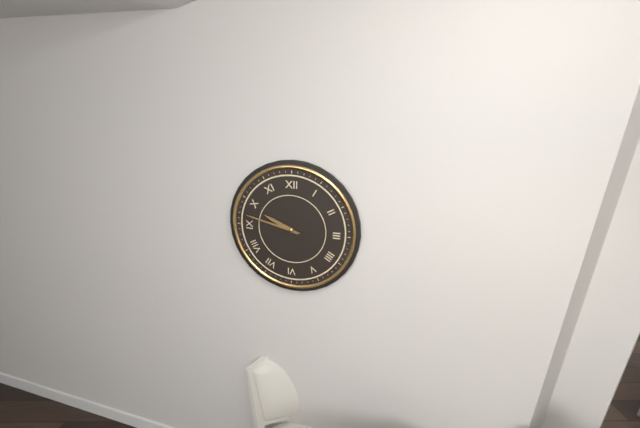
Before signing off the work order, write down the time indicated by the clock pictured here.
9:47
